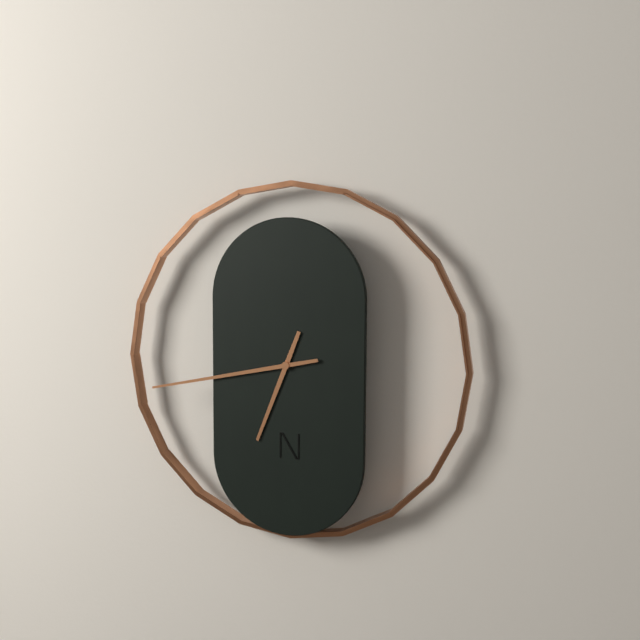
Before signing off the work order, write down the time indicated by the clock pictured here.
6:43
